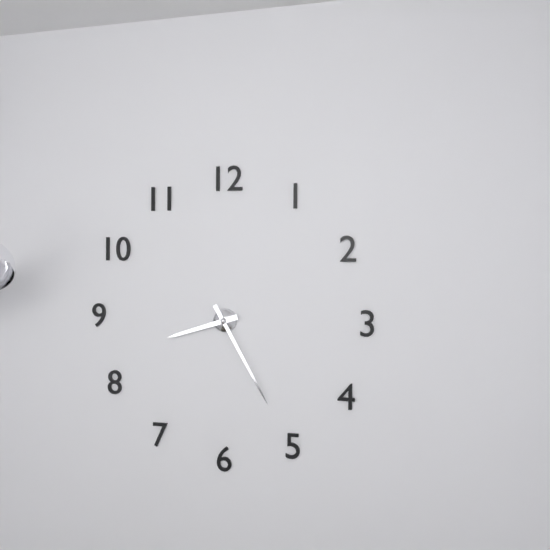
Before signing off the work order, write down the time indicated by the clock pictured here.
8:25
